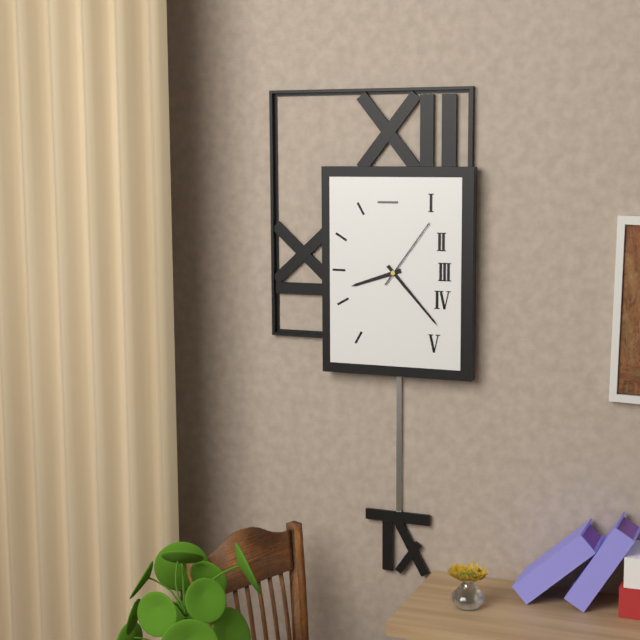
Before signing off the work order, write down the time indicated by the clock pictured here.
8:23:06
